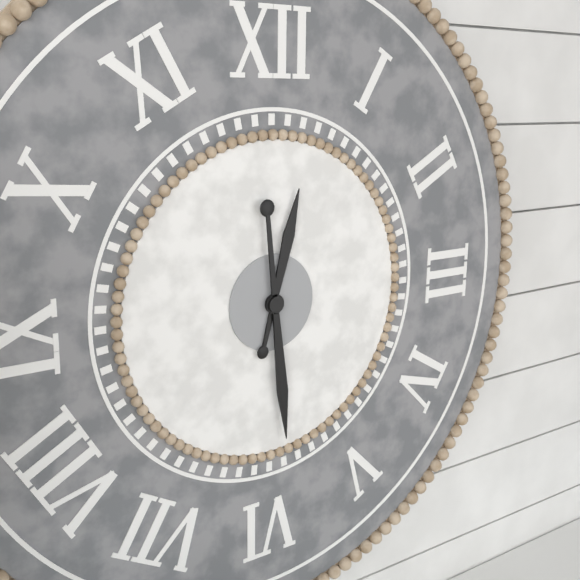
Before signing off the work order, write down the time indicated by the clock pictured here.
12:29
